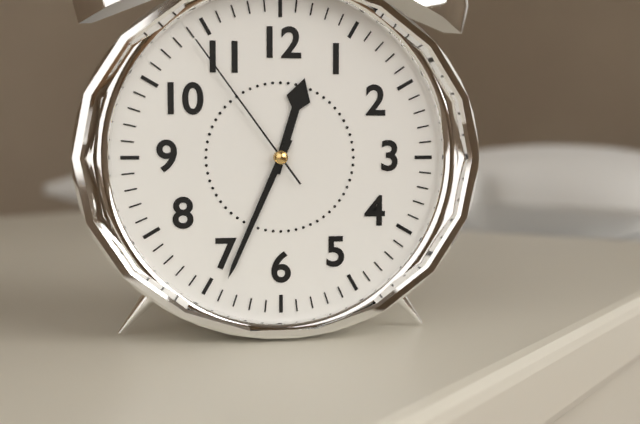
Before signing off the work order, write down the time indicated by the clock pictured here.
12:34:54
